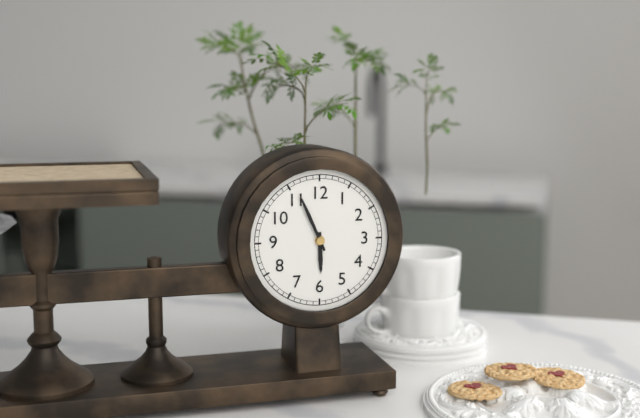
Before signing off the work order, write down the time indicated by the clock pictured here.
5:56
